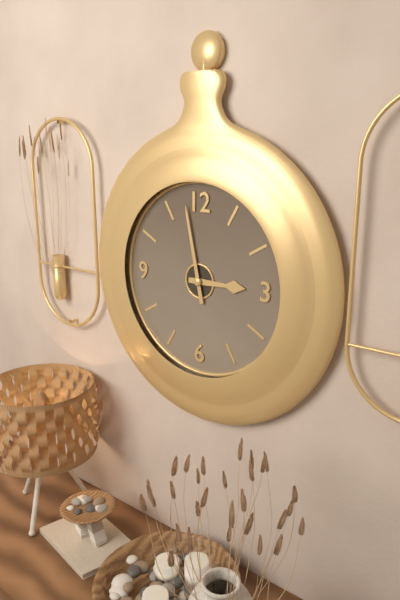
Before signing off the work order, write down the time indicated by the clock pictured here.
2:58
